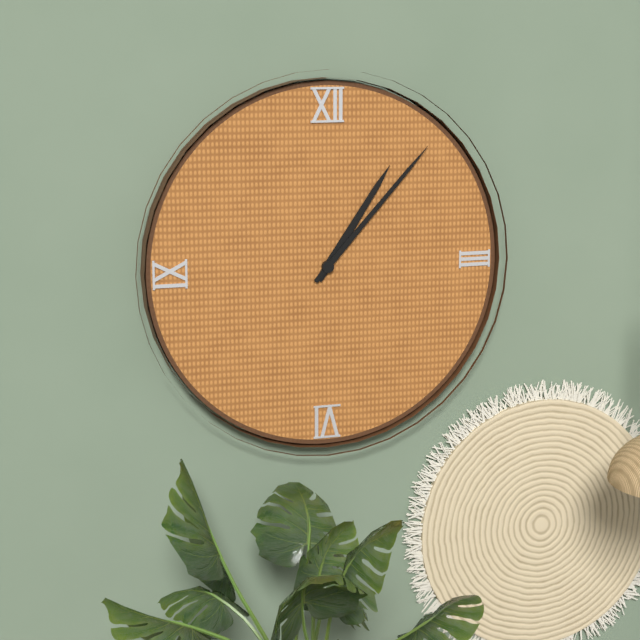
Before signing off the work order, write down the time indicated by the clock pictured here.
1:07
